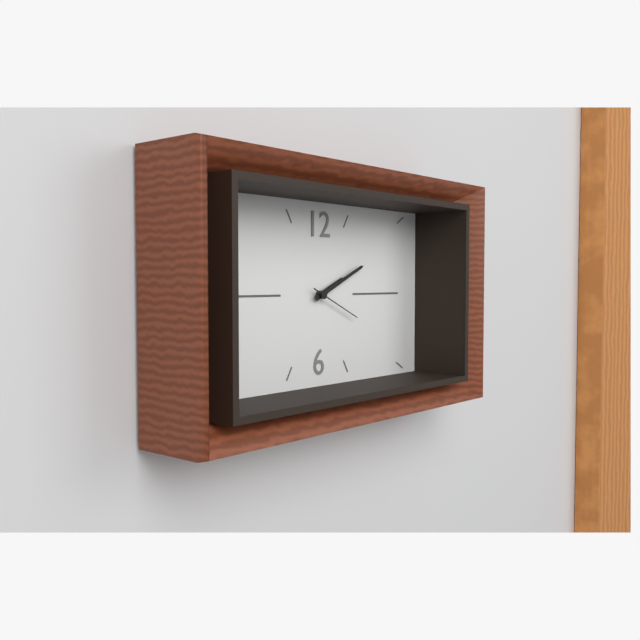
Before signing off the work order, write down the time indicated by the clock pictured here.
2:11:19
